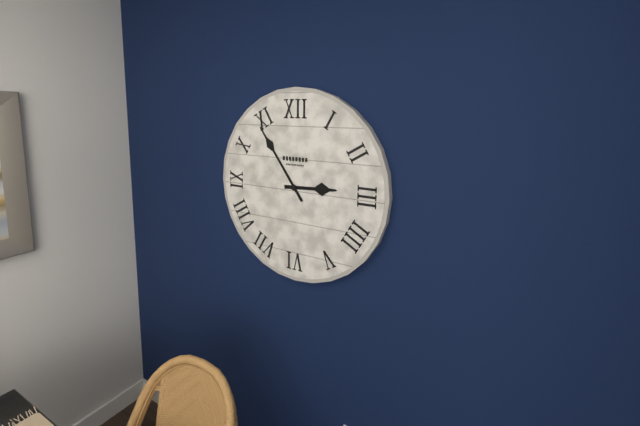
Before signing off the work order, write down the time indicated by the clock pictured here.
2:54
